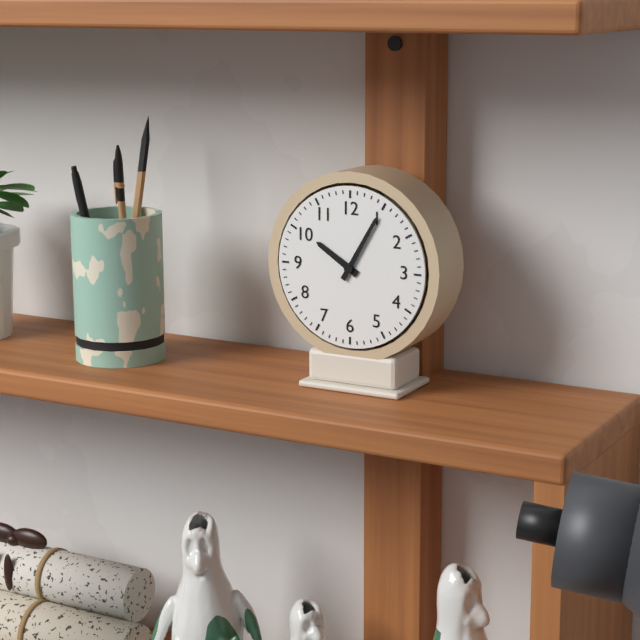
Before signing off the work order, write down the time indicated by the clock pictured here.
10:05
